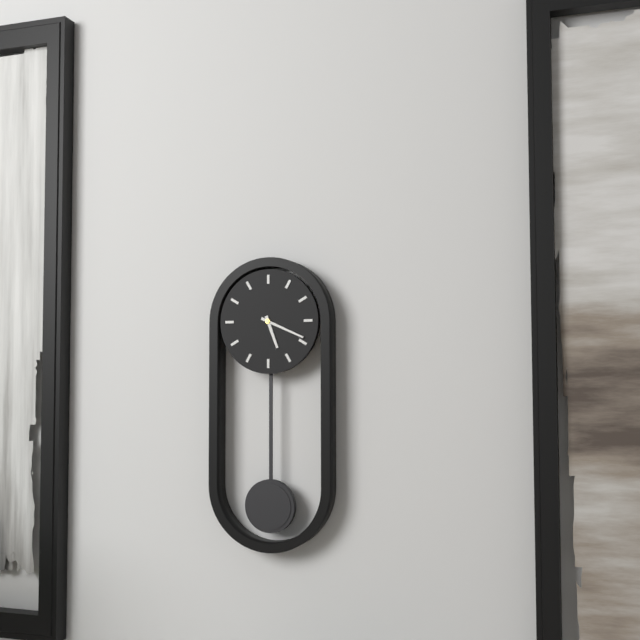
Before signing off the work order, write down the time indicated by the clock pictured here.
5:19
